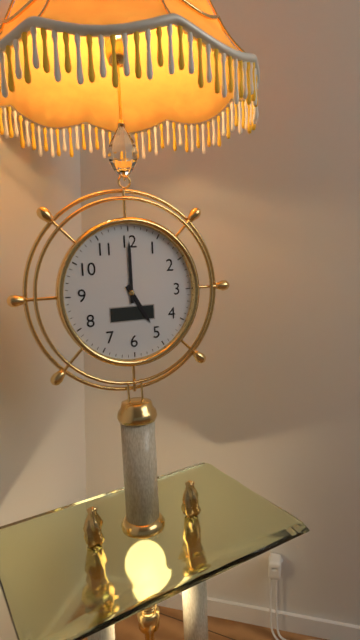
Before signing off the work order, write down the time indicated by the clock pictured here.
5:00
